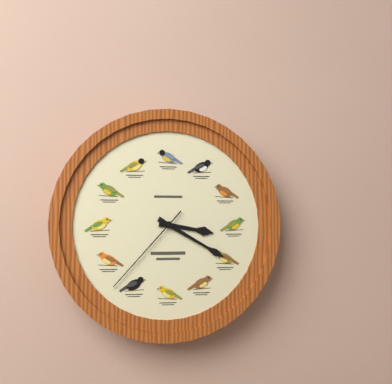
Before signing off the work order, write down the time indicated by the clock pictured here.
3:20:37
